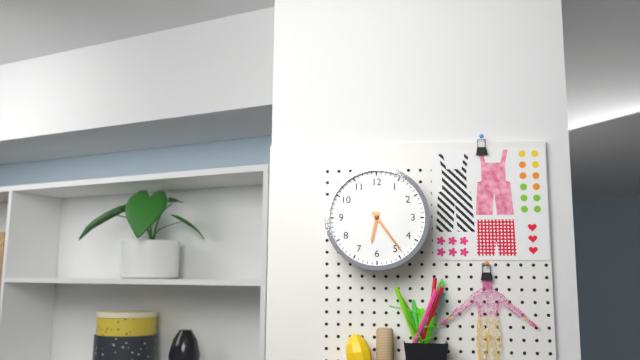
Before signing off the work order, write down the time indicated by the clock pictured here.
6:24
